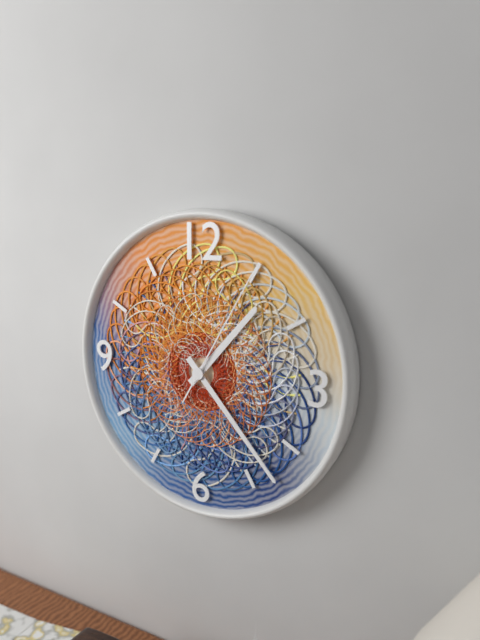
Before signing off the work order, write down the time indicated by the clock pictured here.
1:23:05
